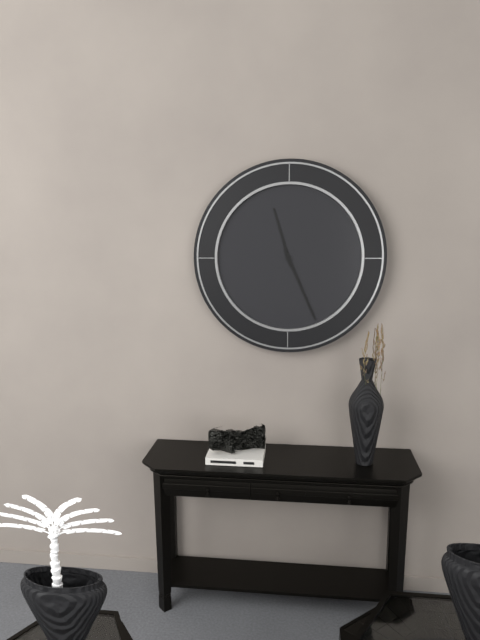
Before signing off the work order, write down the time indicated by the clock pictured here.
11:26
